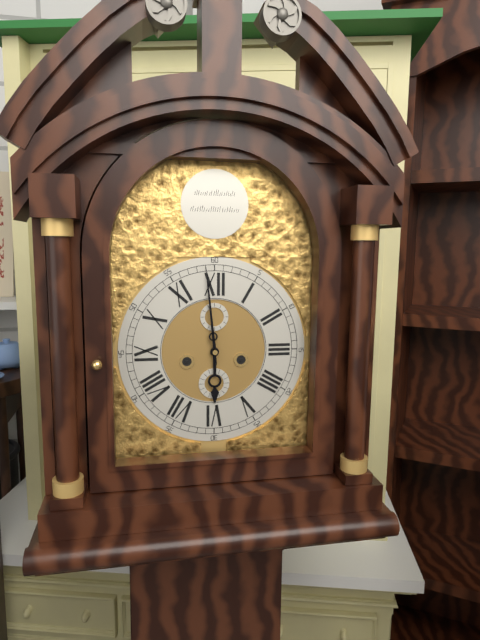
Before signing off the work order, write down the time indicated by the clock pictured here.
5:59
